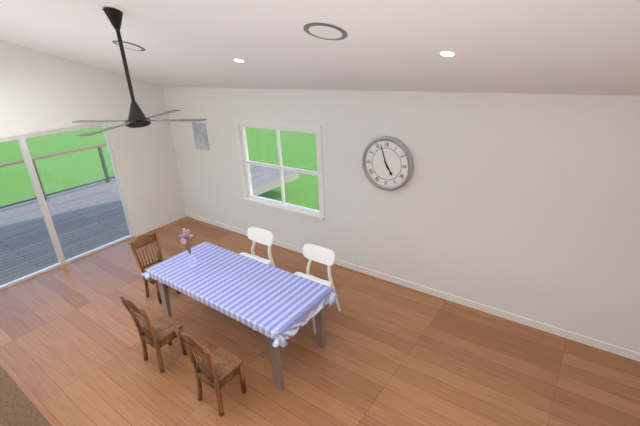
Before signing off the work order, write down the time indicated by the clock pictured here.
4:57
